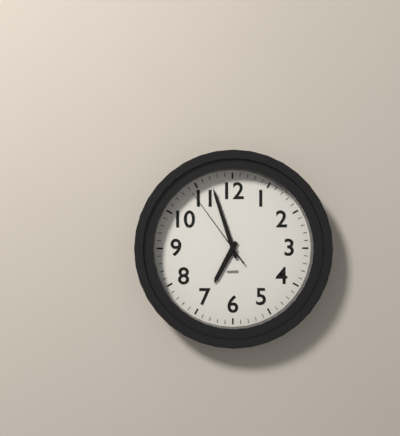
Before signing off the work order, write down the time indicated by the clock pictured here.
6:57:54
